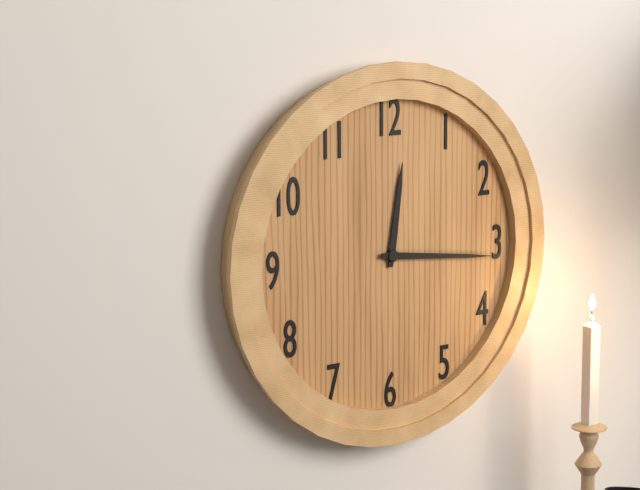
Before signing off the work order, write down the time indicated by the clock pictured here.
12:16
